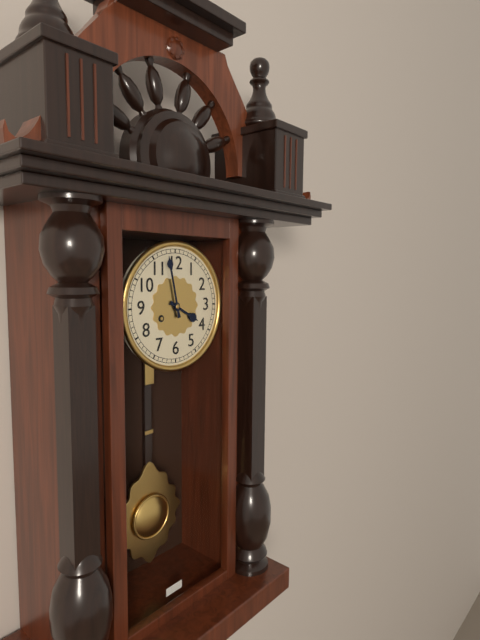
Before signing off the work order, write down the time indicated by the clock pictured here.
3:58
